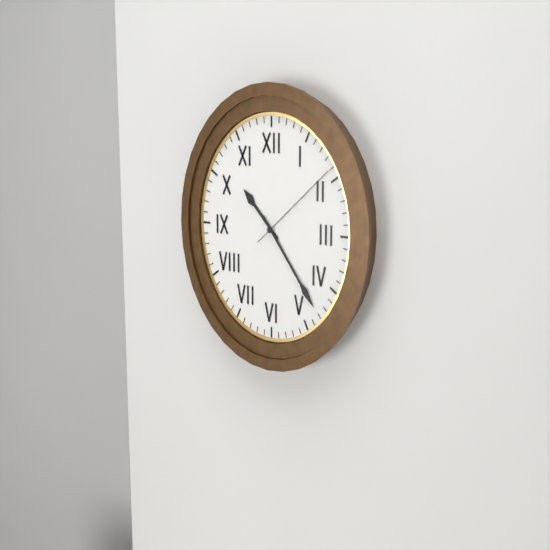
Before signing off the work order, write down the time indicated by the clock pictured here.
10:23:09
